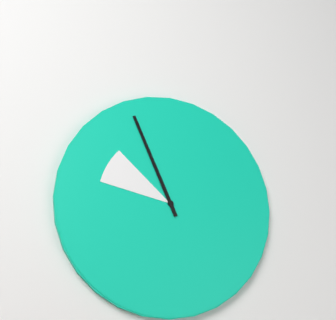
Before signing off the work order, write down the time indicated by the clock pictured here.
9:56
